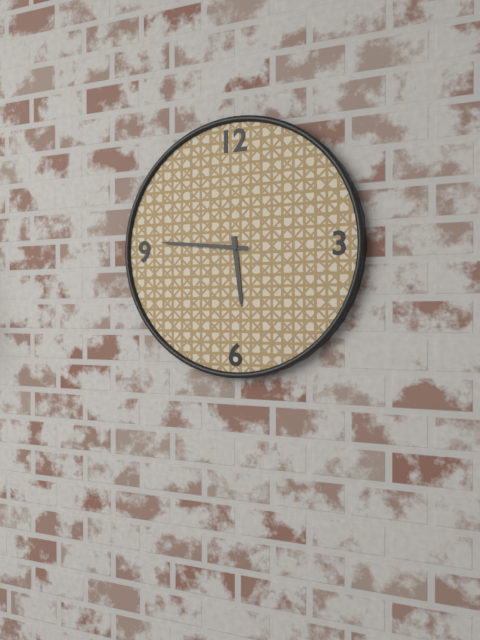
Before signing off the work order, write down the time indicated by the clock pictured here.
5:46
